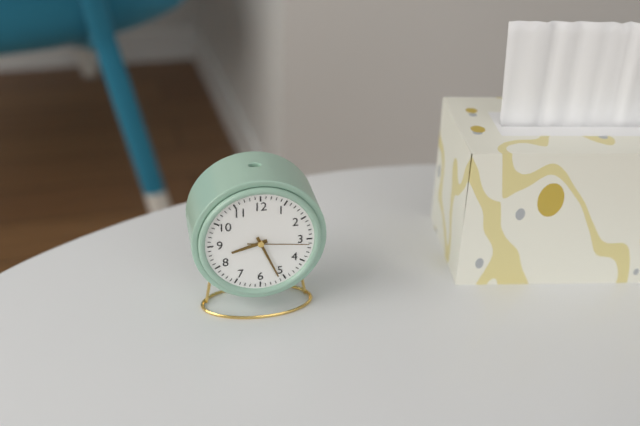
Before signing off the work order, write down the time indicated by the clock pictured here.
8:26:16
